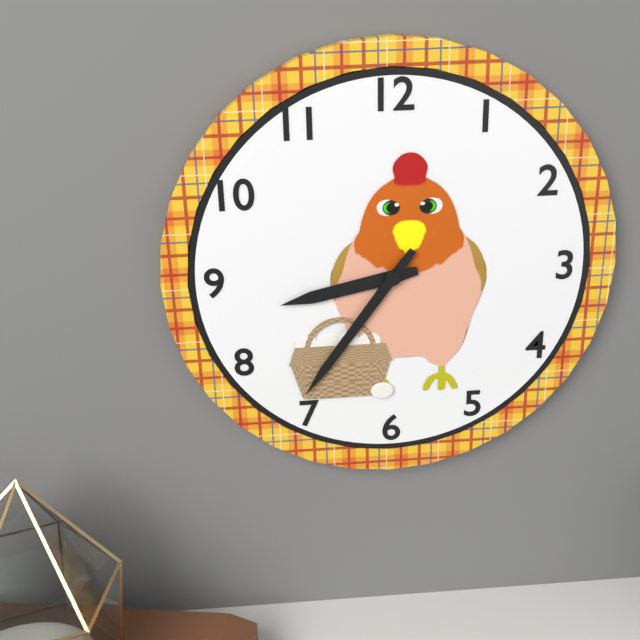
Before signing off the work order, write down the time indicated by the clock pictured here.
8:36
